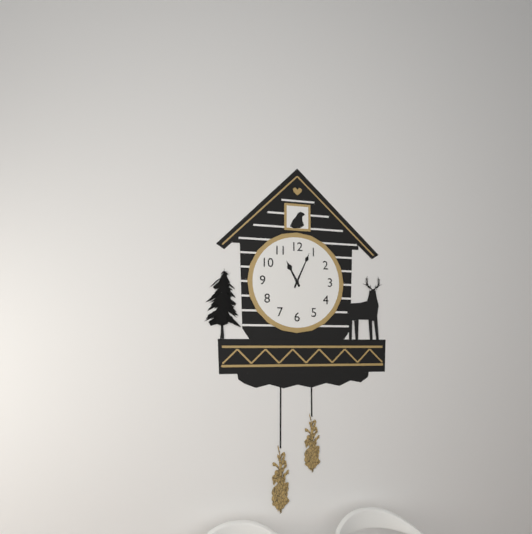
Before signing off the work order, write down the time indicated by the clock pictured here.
11:04
